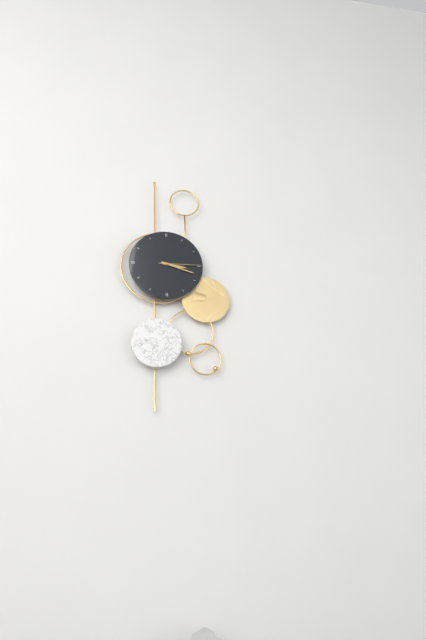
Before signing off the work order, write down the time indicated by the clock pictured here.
3:18
